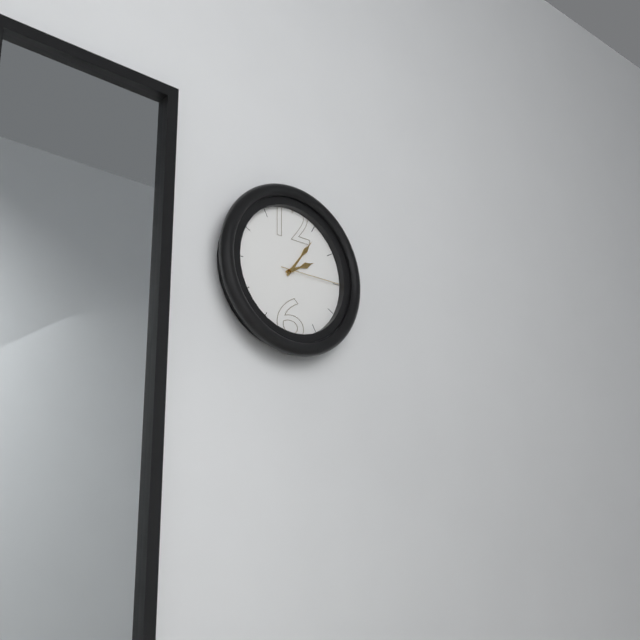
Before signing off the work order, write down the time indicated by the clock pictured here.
2:06:15
